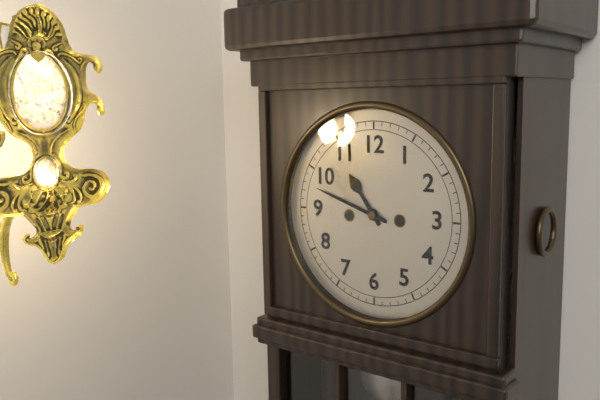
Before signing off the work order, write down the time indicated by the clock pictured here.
10:48
